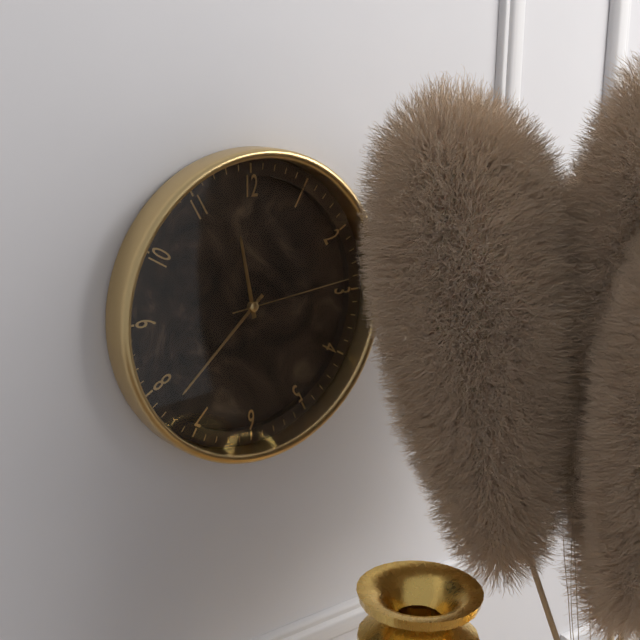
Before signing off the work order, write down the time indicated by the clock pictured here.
11:38:14
